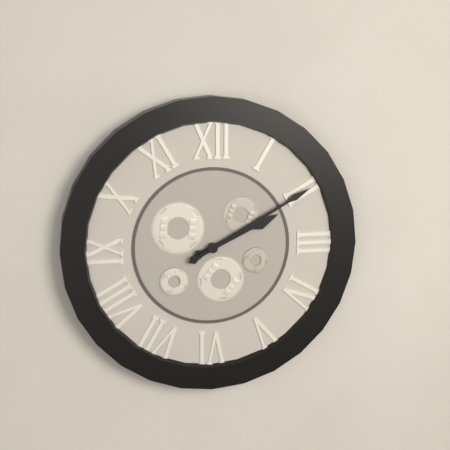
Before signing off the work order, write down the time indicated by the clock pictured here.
2:10
